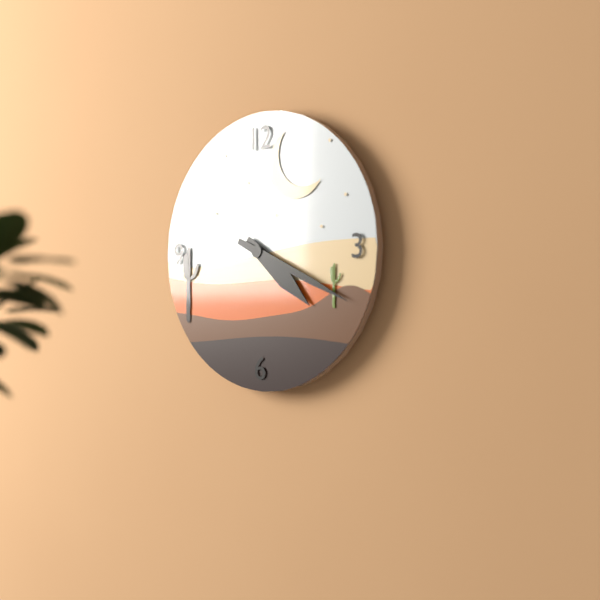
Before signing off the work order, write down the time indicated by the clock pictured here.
4:19
